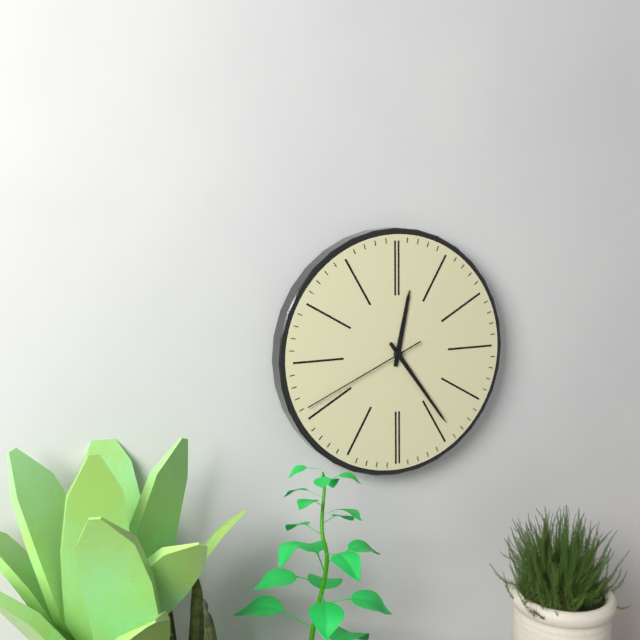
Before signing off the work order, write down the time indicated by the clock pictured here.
12:24:41
